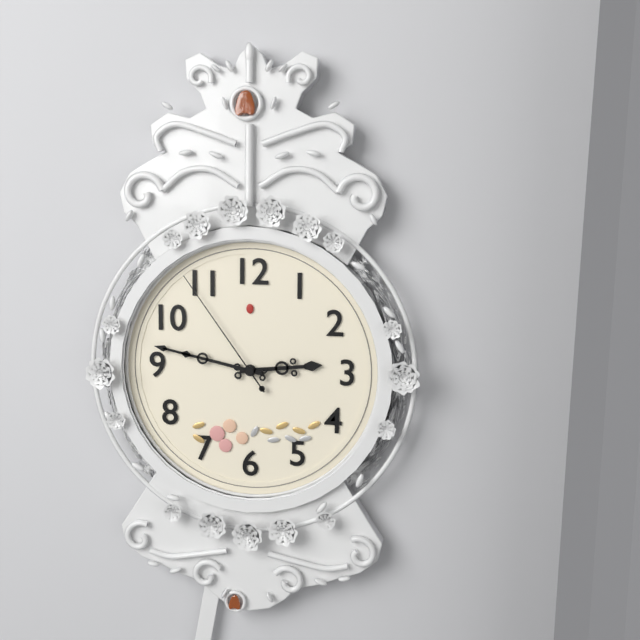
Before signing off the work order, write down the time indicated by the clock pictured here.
2:47:54
